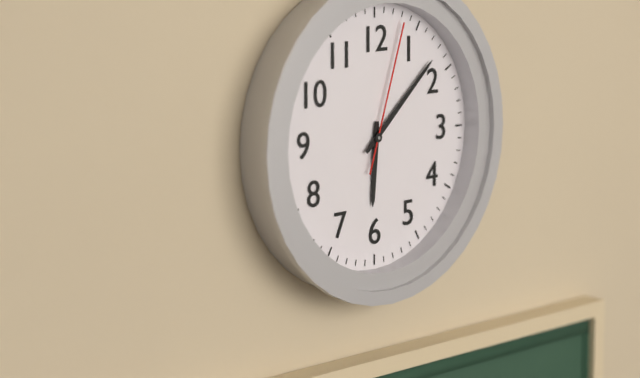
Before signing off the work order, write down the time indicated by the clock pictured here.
6:08:03
